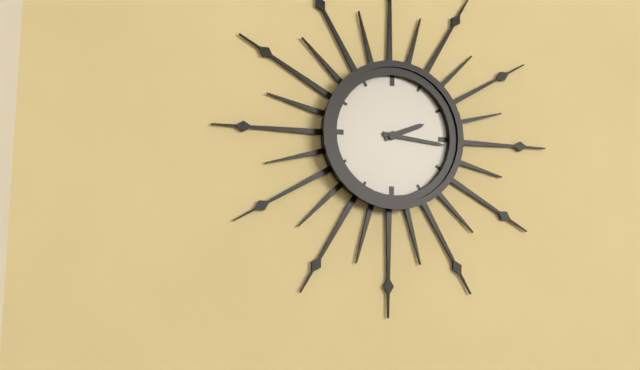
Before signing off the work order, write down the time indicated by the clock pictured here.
2:16
